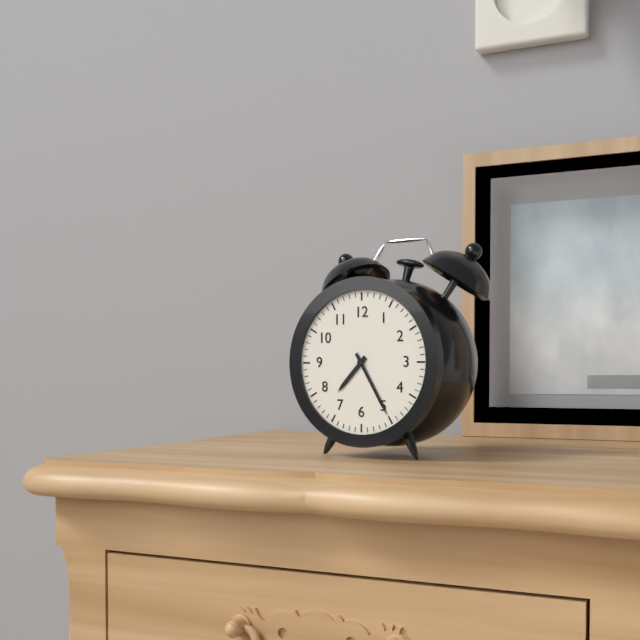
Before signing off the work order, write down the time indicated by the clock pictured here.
7:25
